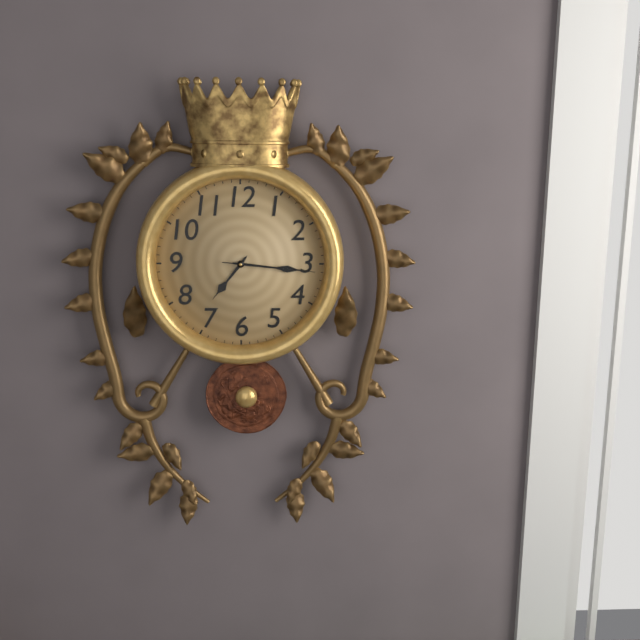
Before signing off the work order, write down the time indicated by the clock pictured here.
7:16:16
